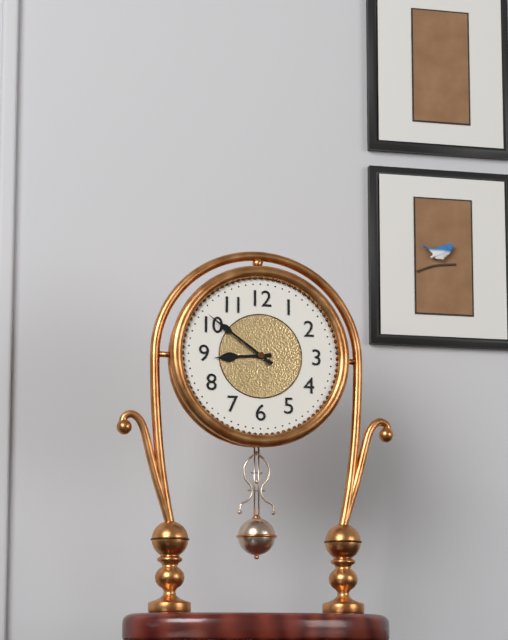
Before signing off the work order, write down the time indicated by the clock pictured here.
8:51
